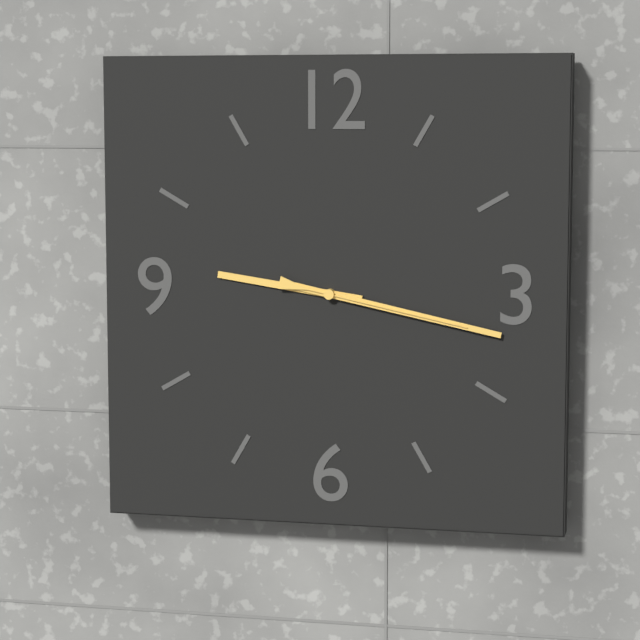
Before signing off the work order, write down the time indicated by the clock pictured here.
9:17:17
